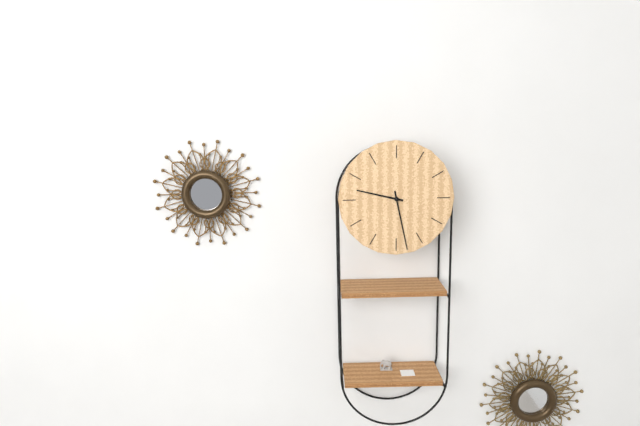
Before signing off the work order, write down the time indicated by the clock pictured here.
9:28
